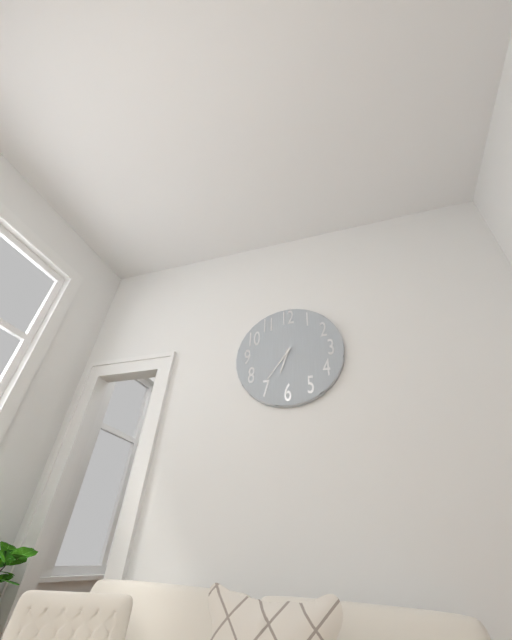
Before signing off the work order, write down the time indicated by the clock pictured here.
6:36
